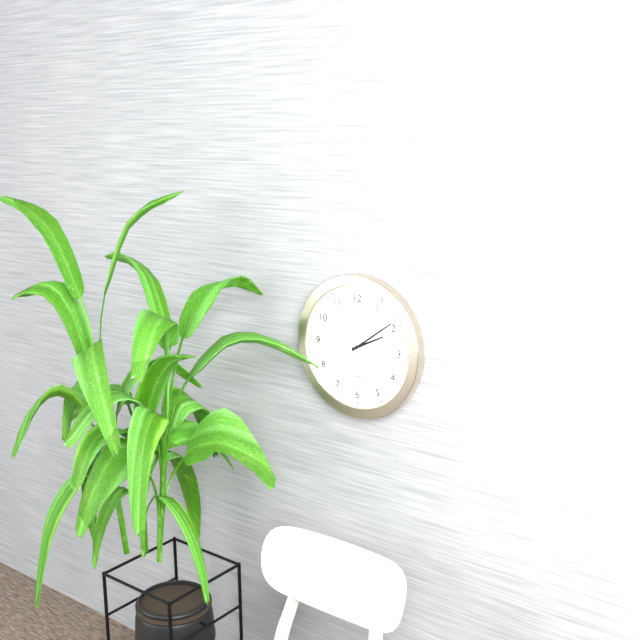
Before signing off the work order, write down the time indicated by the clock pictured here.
2:09:14
